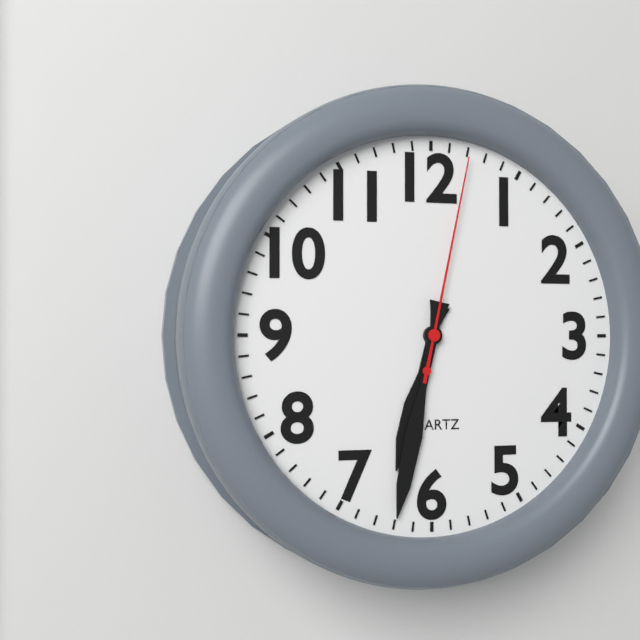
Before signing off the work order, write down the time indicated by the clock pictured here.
6:32:02
